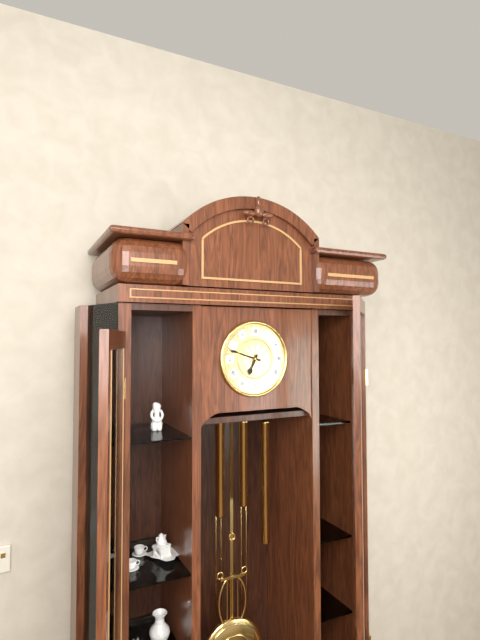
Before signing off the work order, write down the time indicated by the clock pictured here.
6:48
